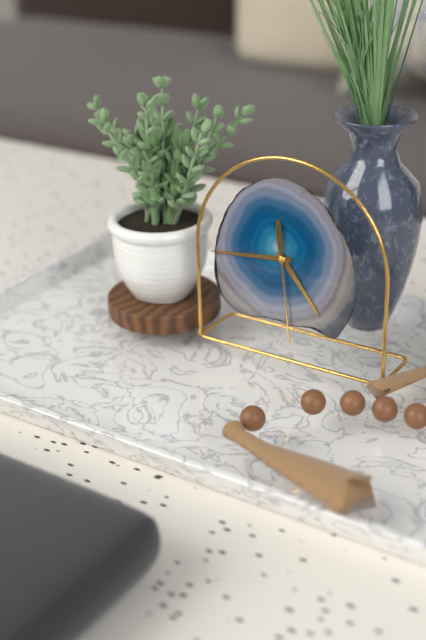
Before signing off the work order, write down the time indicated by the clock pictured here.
4:44:29
